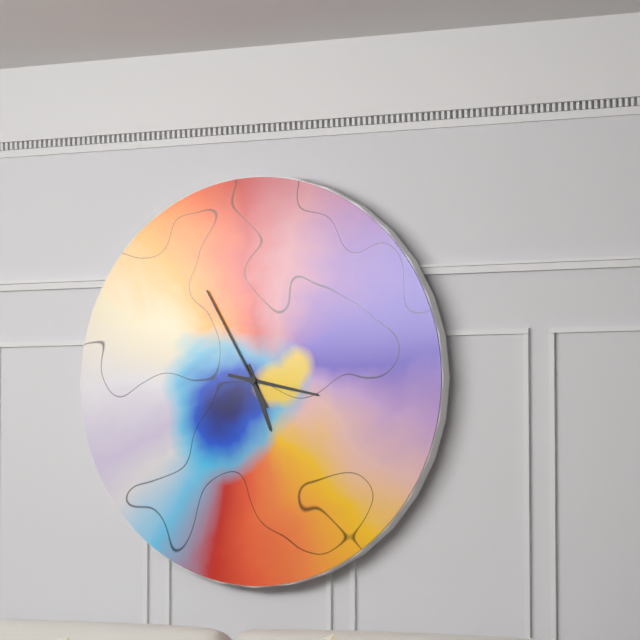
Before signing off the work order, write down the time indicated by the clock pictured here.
5:17:55
